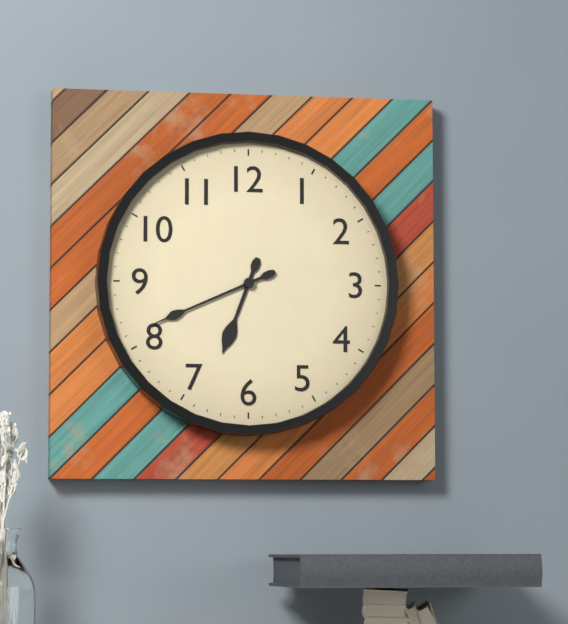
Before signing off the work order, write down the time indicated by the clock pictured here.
6:41
